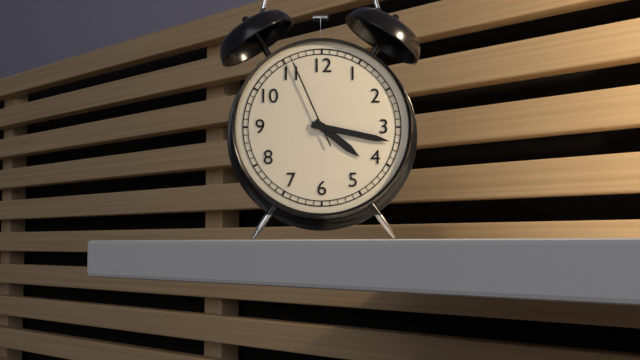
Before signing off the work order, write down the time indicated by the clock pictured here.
4:17:56
